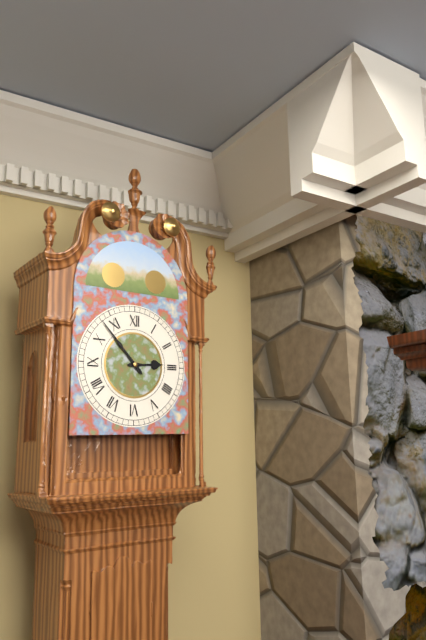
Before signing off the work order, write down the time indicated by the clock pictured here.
2:53
